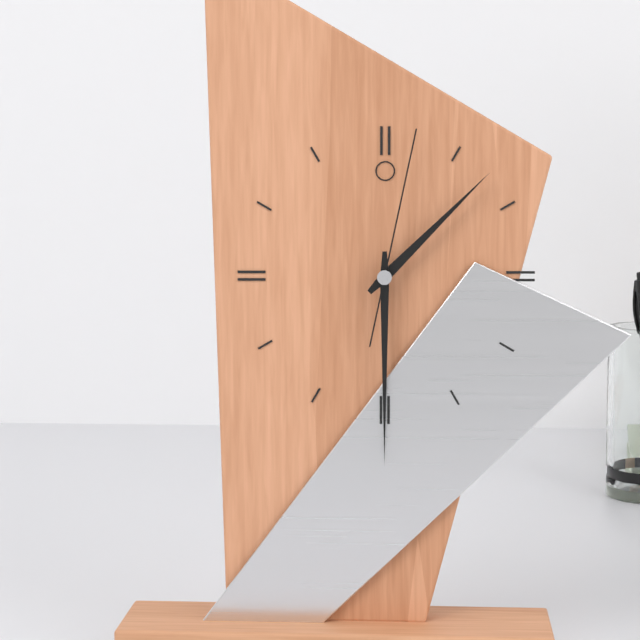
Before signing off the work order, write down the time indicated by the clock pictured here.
1:30:02
